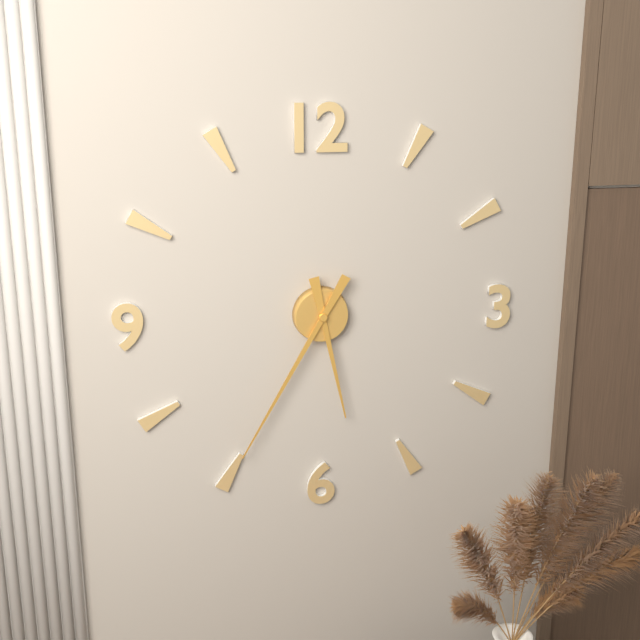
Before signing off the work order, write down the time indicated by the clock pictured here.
5:35
